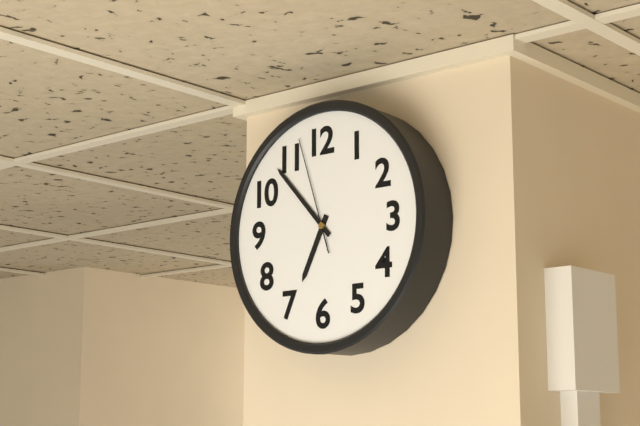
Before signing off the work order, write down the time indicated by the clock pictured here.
6:53:57
